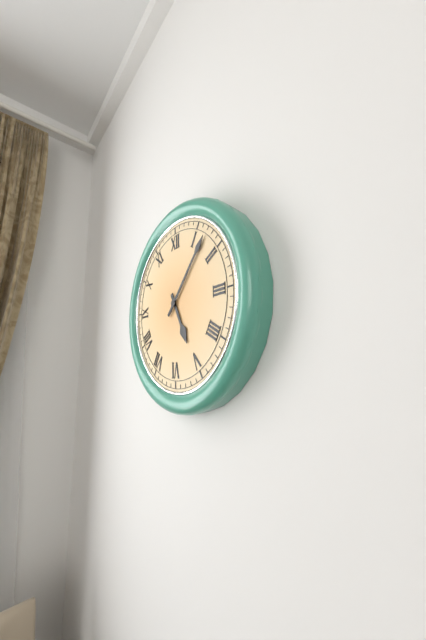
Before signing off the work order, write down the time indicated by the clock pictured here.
5:07
